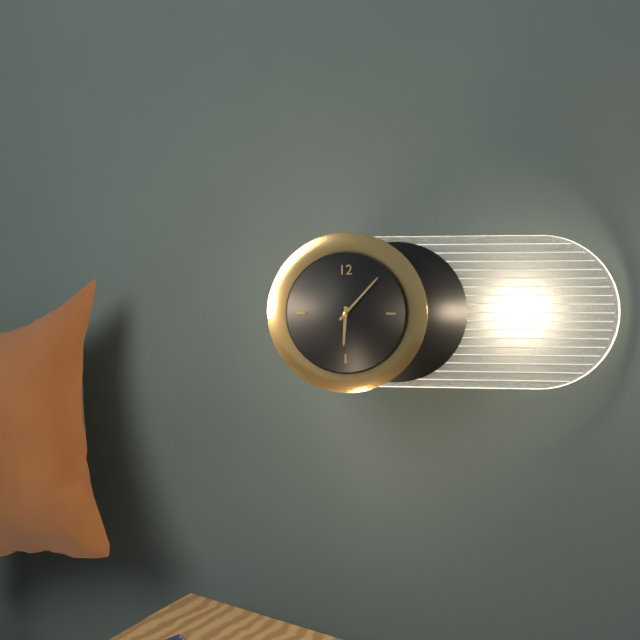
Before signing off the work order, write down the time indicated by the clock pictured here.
6:07
